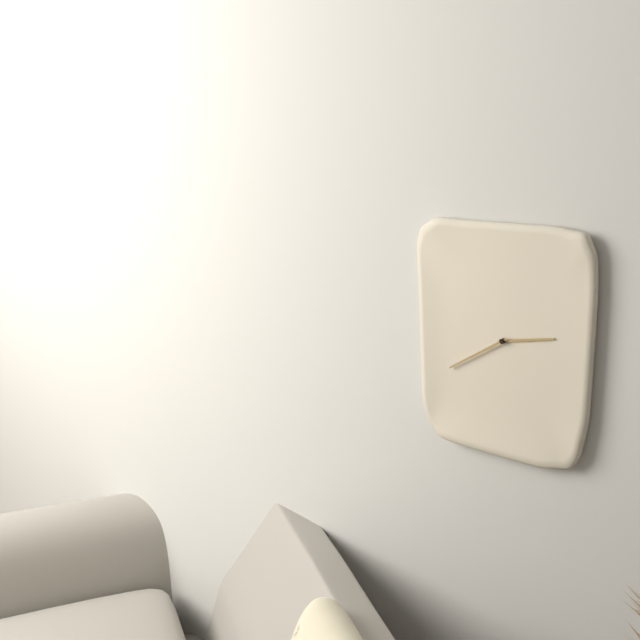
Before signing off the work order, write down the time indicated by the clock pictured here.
2:40
